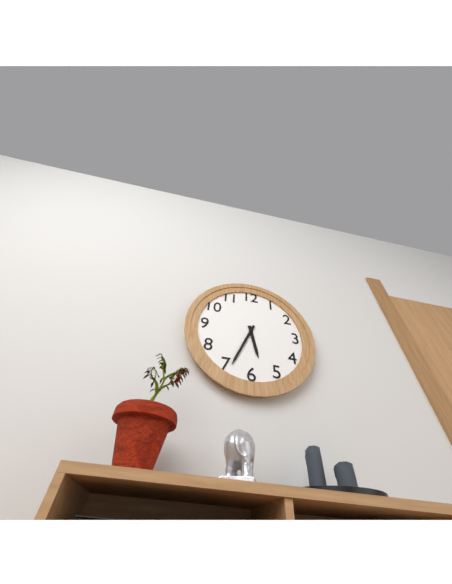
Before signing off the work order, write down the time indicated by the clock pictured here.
5:34
